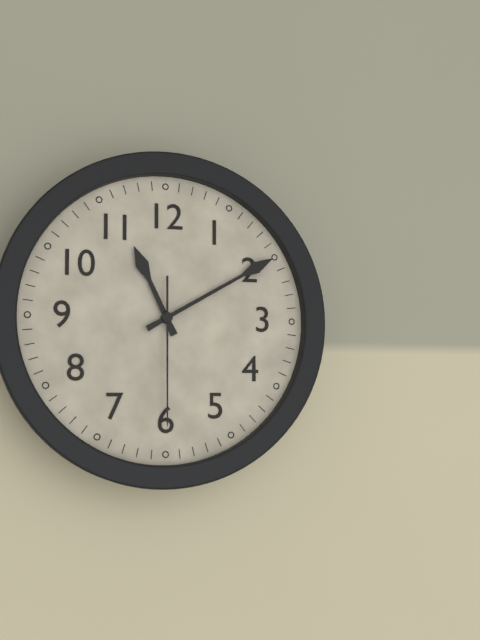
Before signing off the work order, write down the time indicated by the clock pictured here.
11:10:30
